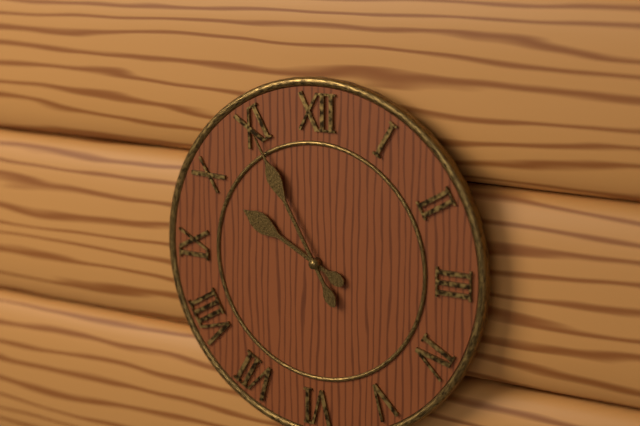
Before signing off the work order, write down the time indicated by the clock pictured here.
9:55
